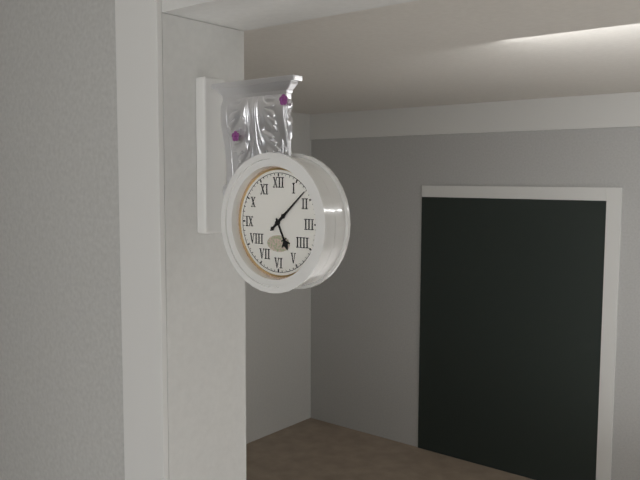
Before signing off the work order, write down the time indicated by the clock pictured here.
5:08
